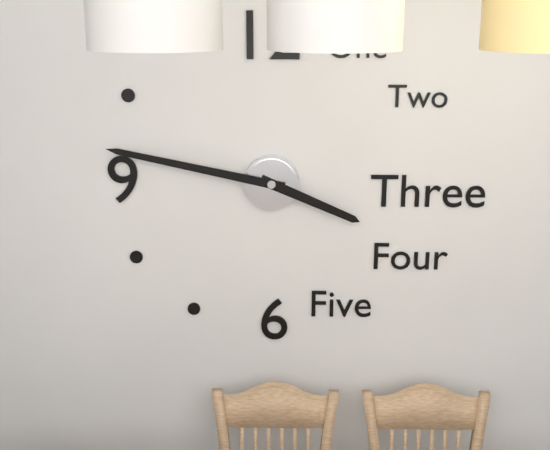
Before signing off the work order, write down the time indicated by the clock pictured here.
3:47
